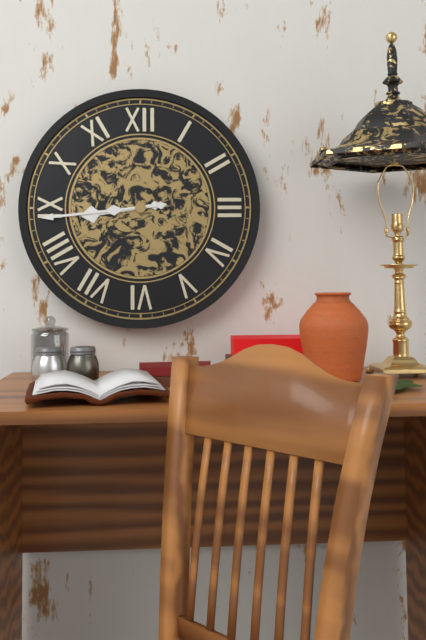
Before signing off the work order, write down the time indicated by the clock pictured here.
8:44
